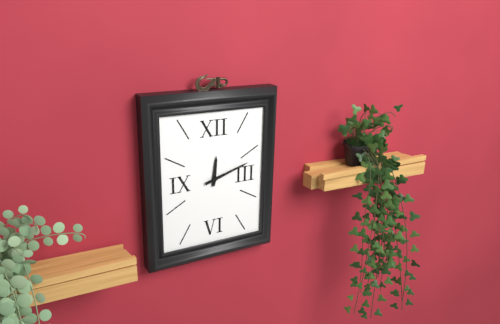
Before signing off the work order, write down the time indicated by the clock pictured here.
12:12
